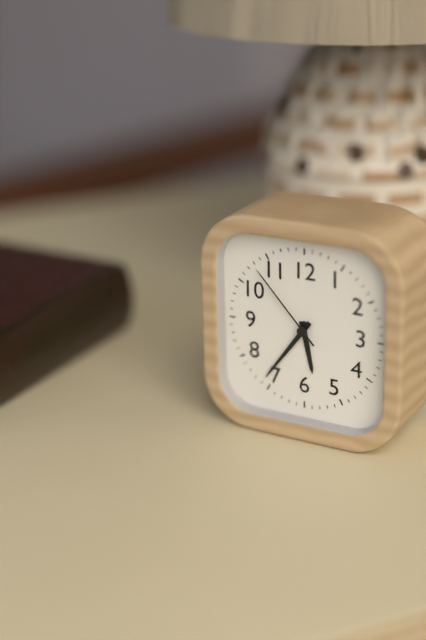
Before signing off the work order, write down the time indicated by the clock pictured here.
5:36:53
